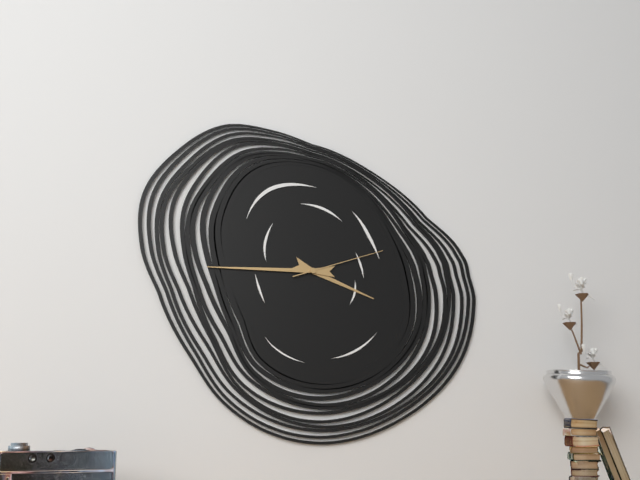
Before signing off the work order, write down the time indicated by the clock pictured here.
3:45:12
